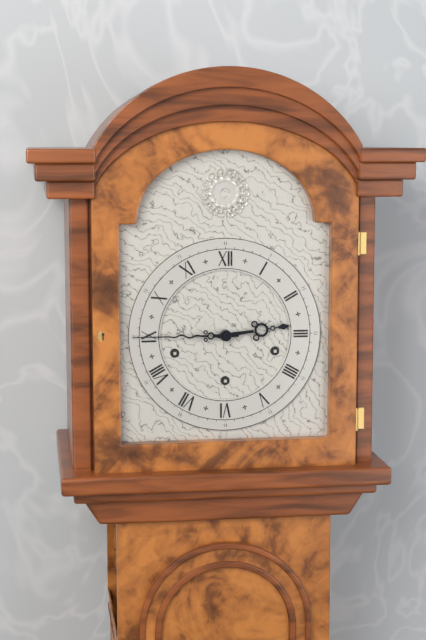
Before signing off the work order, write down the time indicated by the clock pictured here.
2:45
